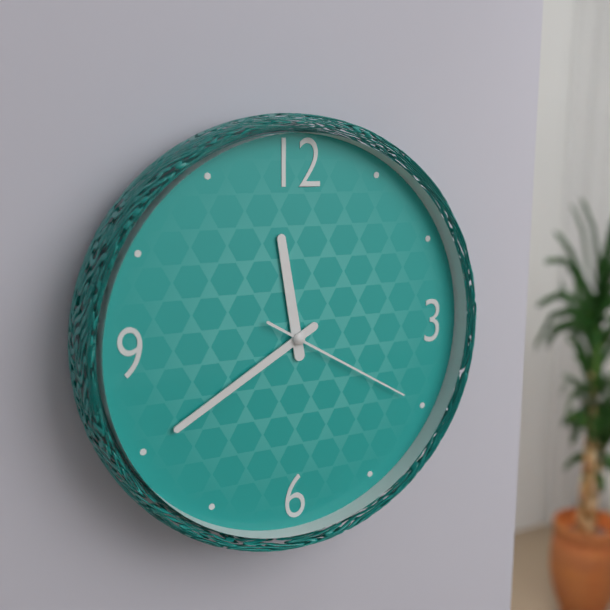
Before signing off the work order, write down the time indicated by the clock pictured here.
11:40:20
